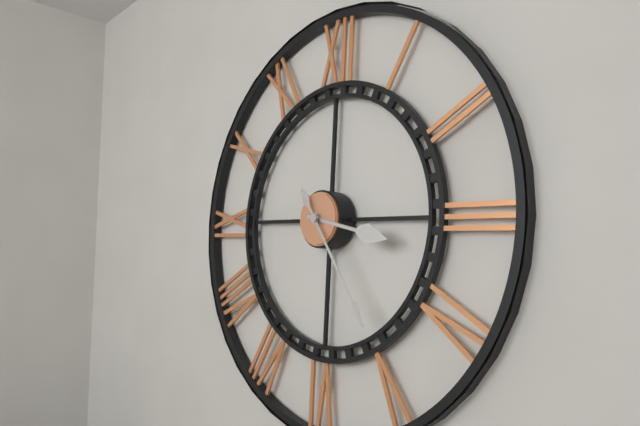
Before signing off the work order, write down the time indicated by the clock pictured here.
3:24
